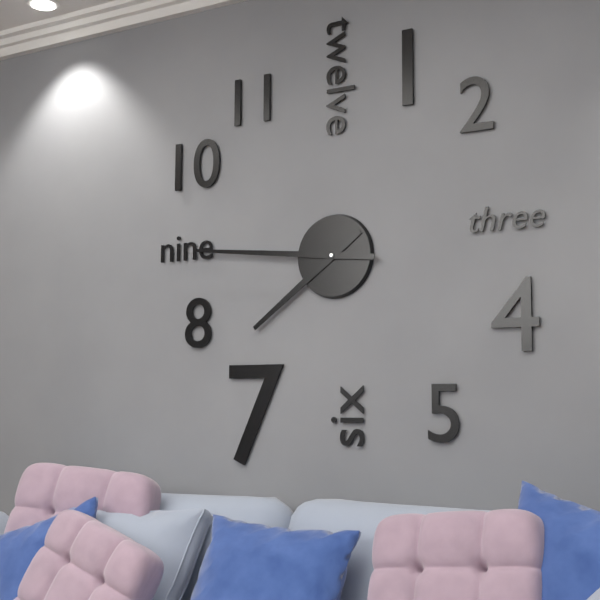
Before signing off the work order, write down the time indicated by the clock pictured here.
7:46
